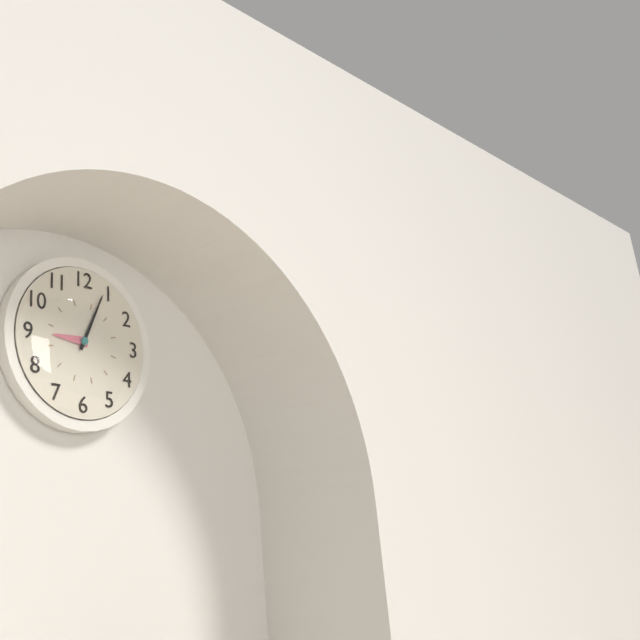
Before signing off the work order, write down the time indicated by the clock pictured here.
9:04
